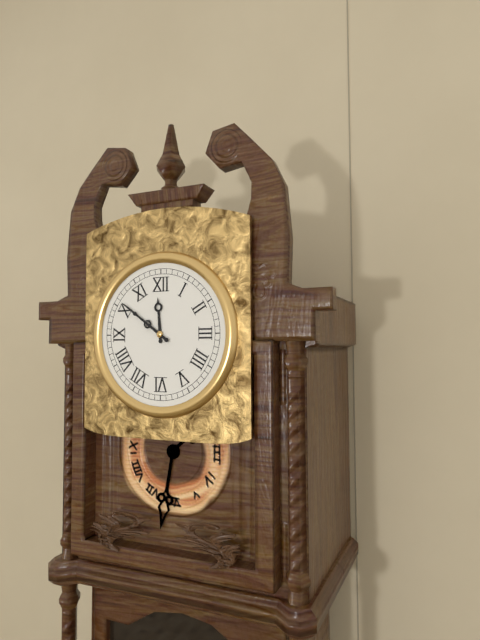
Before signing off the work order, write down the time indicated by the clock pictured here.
11:51
